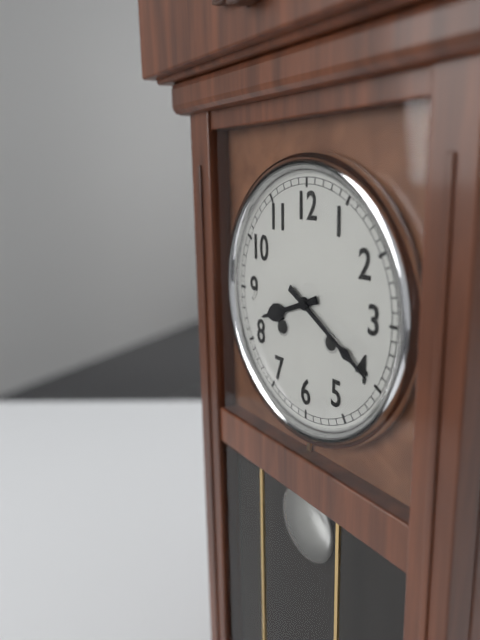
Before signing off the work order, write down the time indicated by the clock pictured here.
8:20
